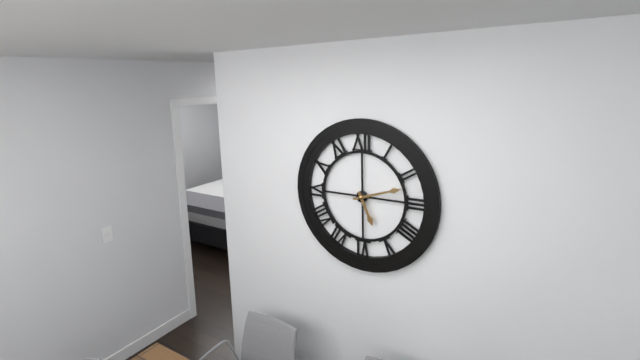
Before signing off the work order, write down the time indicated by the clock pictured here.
5:12
